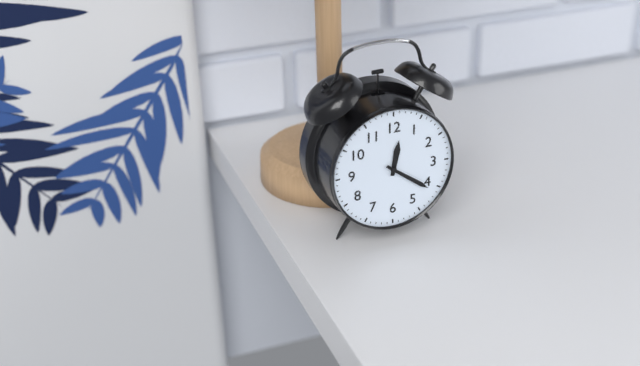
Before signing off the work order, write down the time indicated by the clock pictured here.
12:21
